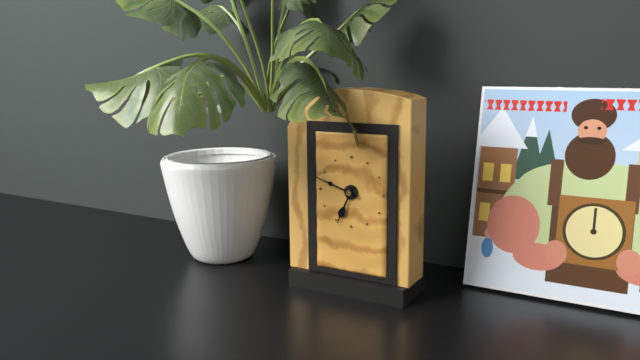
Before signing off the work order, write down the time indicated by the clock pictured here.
6:48
